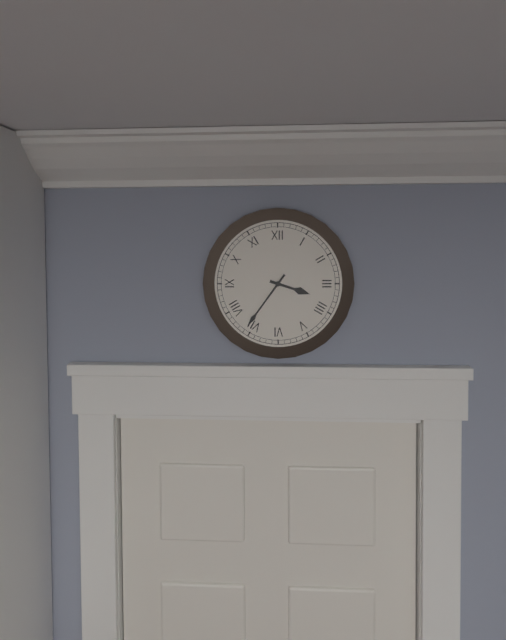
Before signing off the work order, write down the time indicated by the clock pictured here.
3:36
